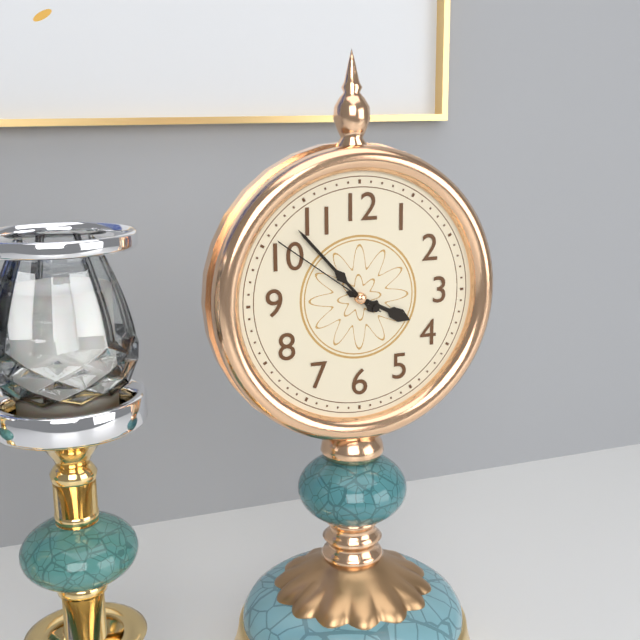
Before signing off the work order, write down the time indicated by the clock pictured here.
3:53:51
